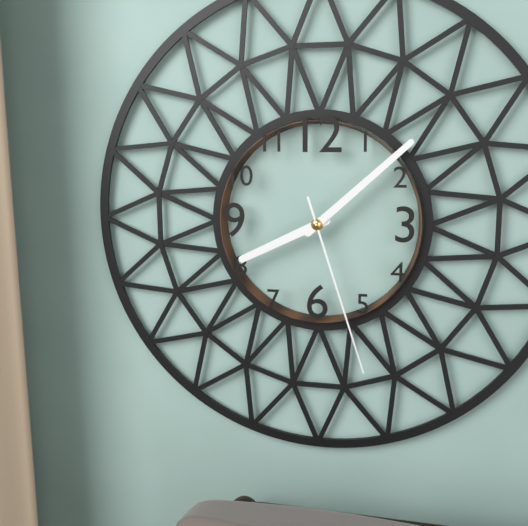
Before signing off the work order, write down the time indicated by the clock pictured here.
8:08:27
